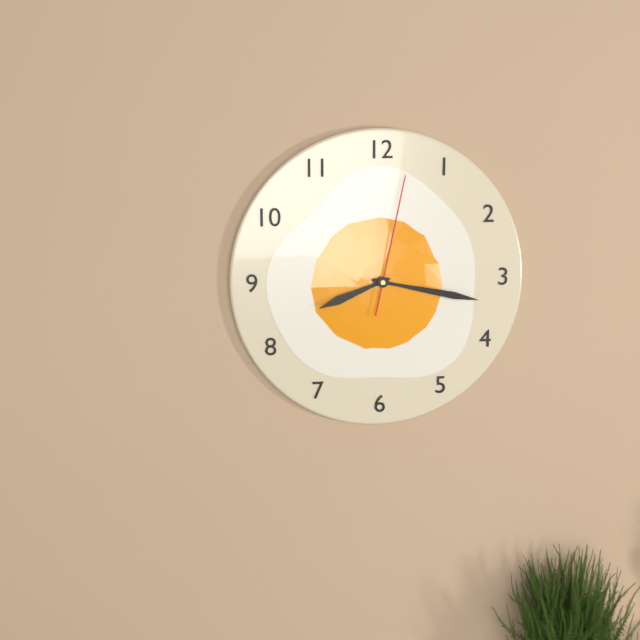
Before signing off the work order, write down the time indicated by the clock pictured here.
8:17:02
